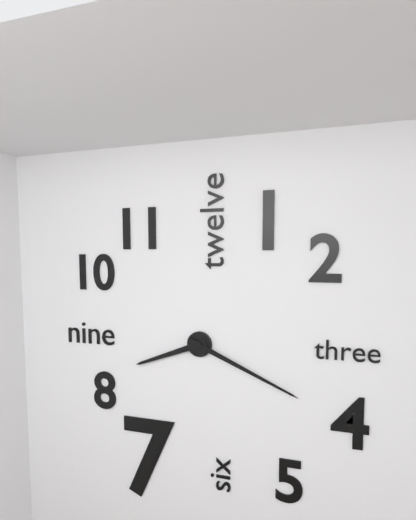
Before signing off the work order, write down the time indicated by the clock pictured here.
8:19
